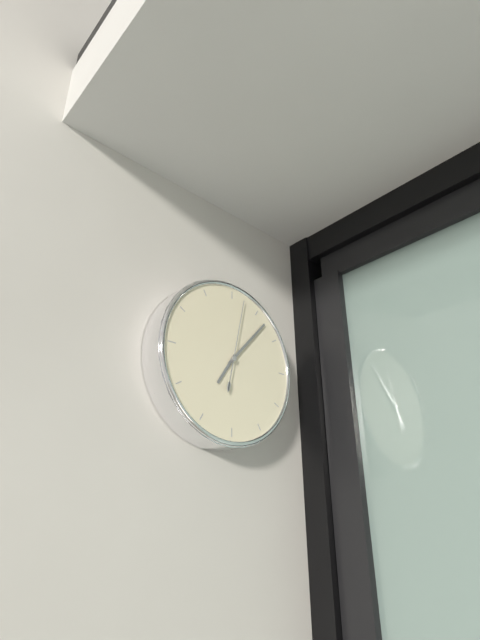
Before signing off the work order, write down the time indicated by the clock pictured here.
7:07:02
